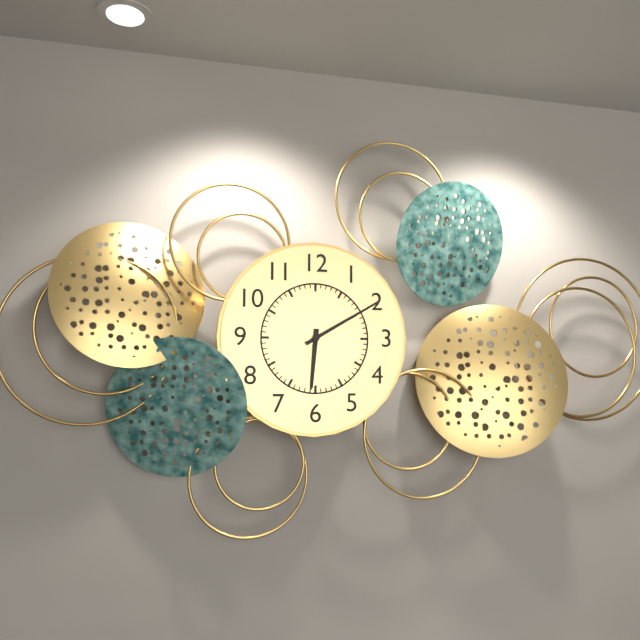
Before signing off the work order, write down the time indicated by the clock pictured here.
6:10
